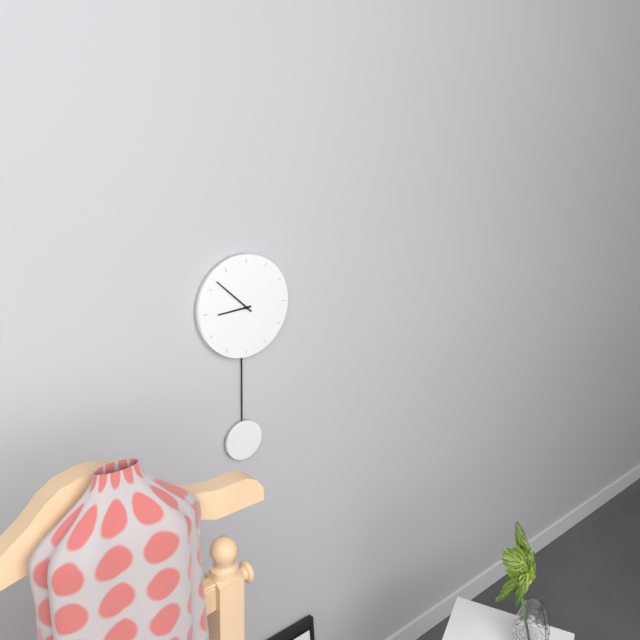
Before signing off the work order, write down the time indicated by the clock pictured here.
8:52
